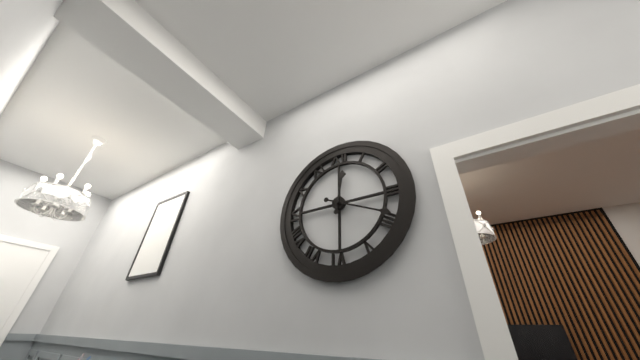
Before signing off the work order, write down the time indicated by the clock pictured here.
12:19
